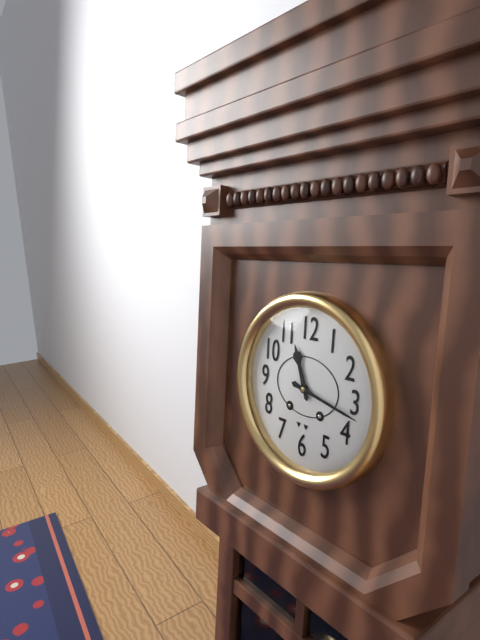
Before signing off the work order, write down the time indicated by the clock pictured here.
11:17
